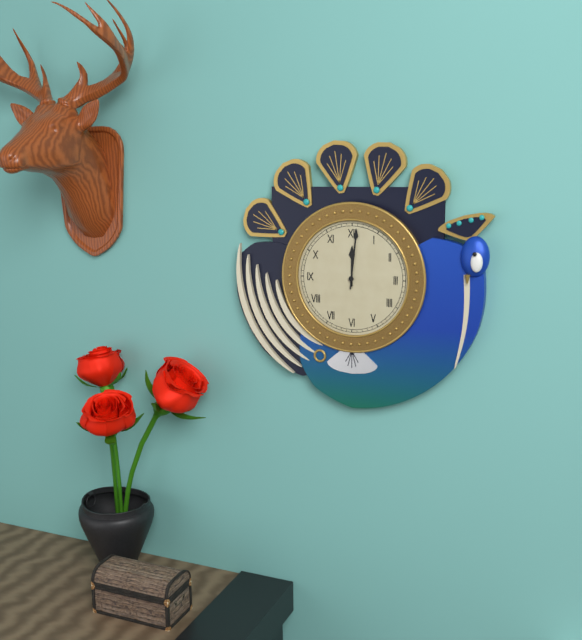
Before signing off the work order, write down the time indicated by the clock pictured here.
12:01
